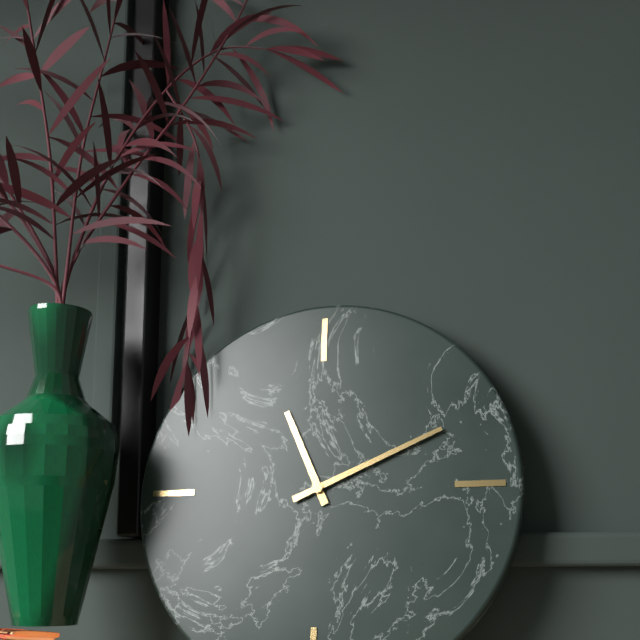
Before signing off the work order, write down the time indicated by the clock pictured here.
11:11
